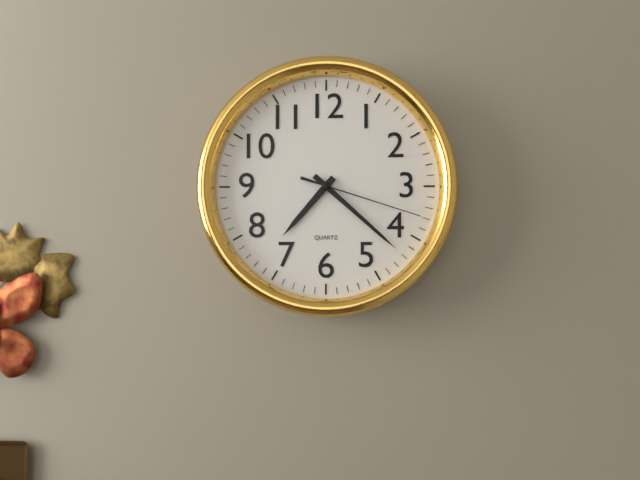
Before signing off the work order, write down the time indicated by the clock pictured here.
7:22:18
